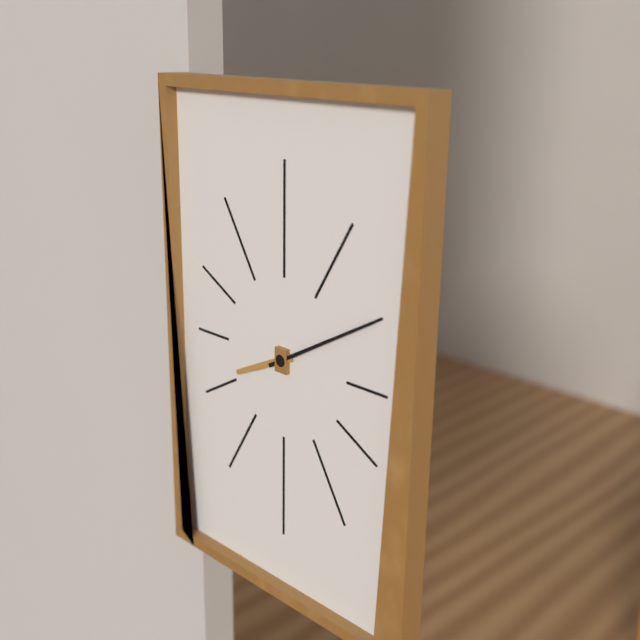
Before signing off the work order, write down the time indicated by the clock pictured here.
8:10
